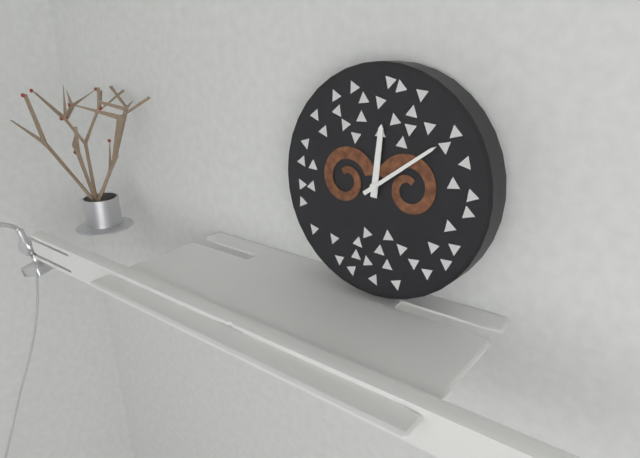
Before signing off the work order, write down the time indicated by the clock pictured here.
12:09
